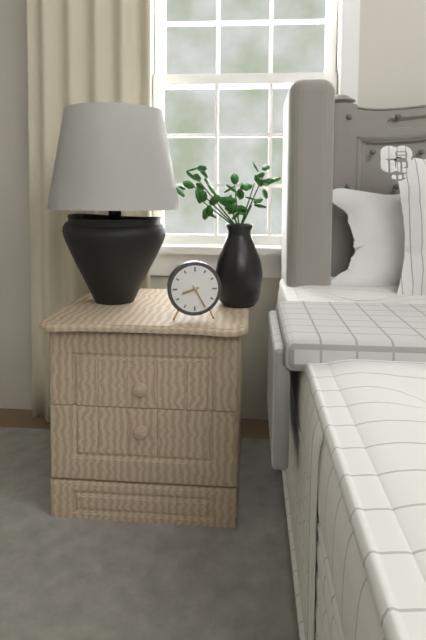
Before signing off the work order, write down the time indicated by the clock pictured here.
8:25
